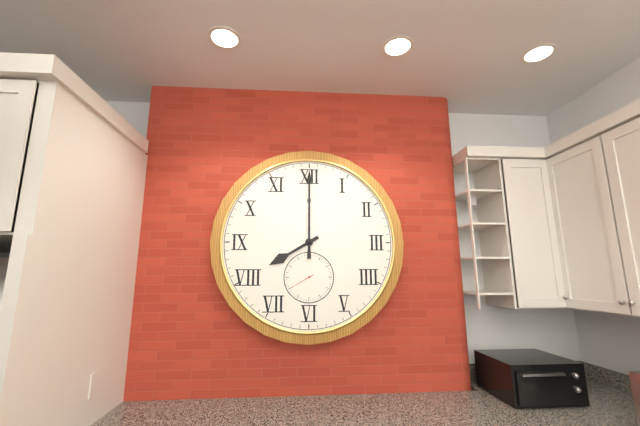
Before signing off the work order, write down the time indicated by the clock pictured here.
8:00
